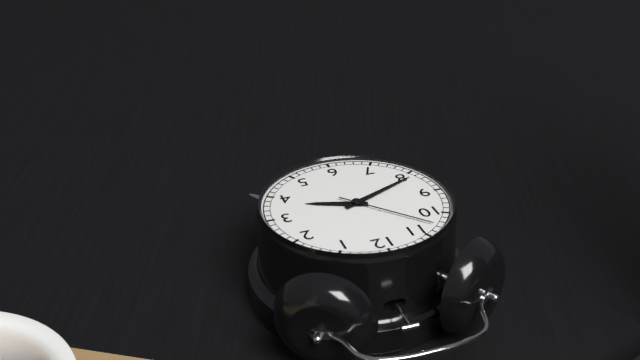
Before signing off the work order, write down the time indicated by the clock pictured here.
3:41:53
